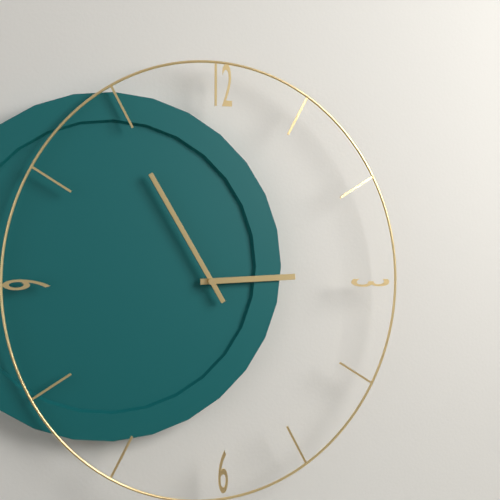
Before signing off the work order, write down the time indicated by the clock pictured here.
2:55
